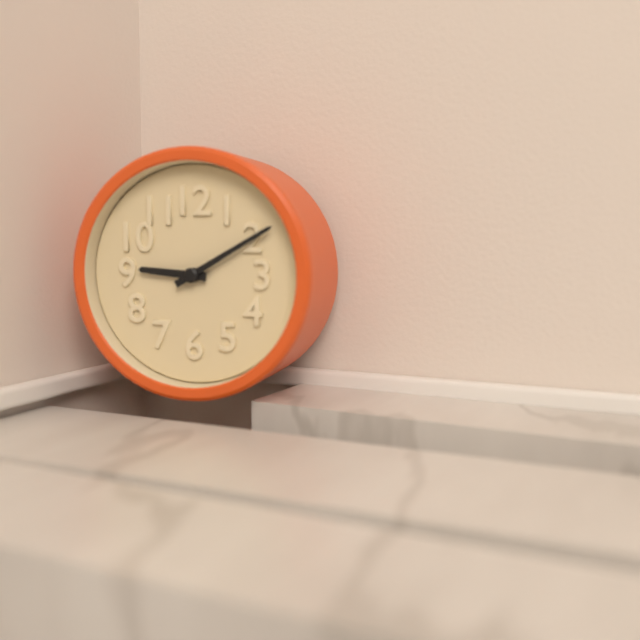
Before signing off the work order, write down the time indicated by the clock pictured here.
9:10
